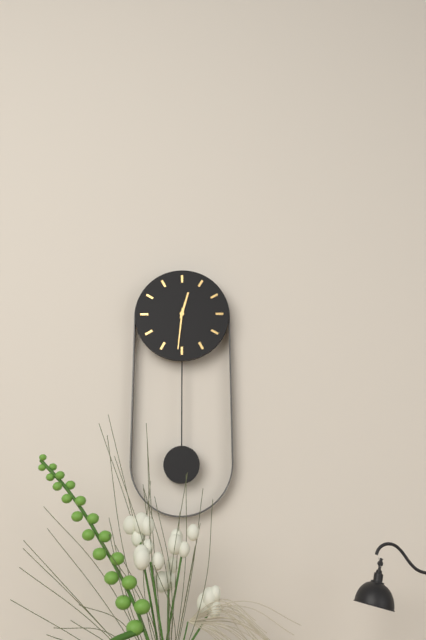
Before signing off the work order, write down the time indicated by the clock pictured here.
12:31
